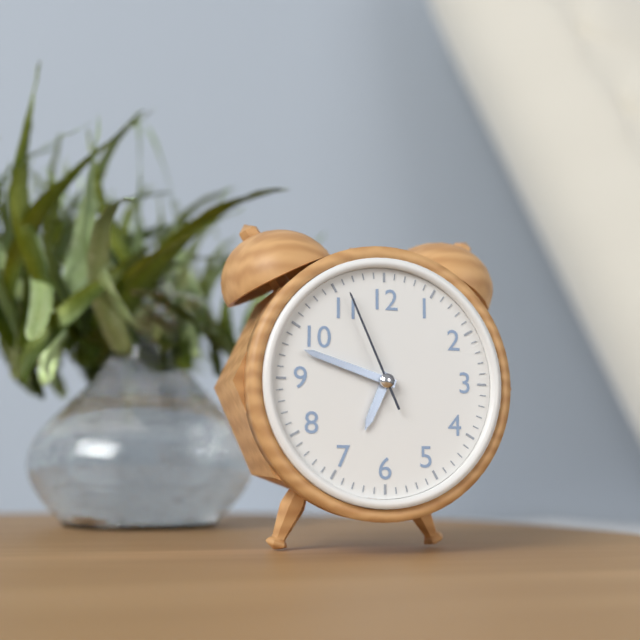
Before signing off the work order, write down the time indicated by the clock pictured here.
6:48:56
